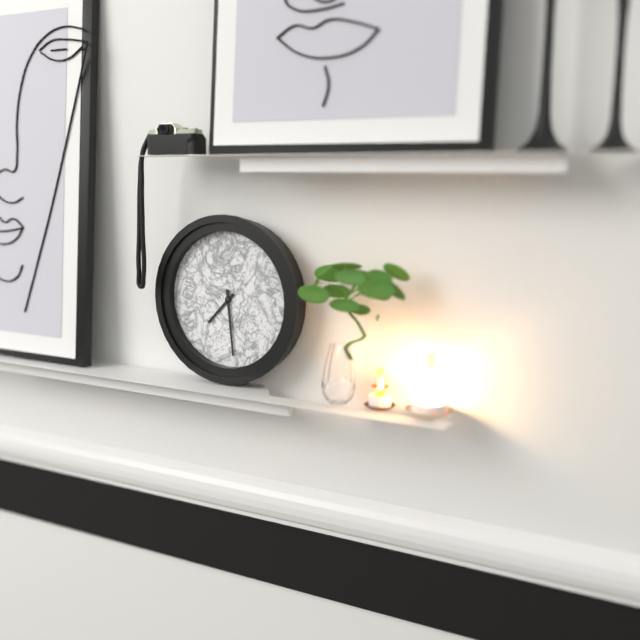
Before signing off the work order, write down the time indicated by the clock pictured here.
7:29
